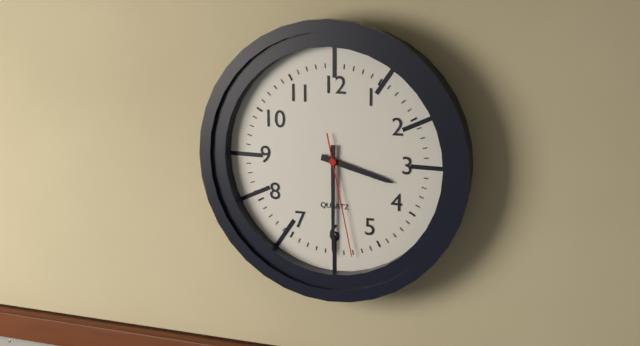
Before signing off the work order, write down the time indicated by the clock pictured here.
3:30:28
